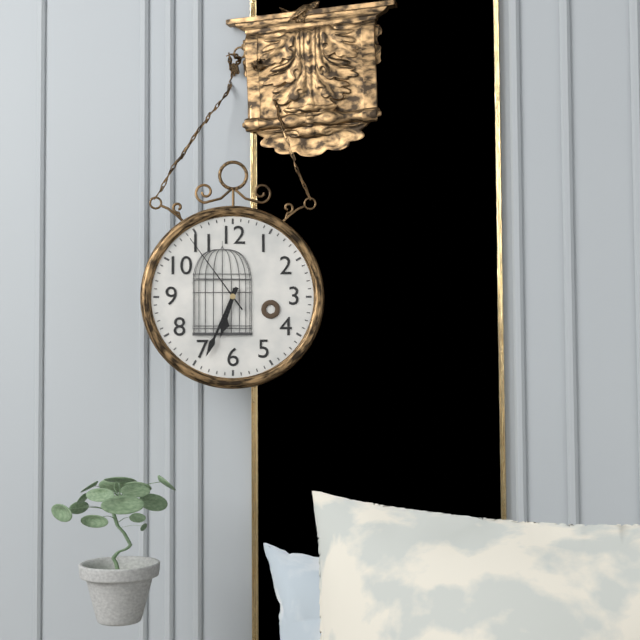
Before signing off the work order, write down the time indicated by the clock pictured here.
6:34:54
